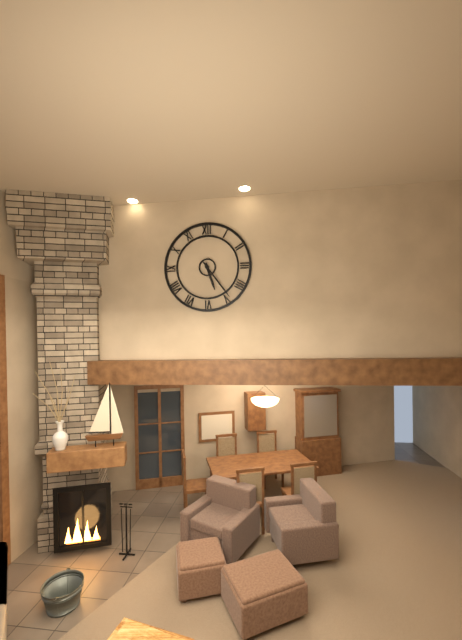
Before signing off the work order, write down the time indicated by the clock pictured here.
5:24
